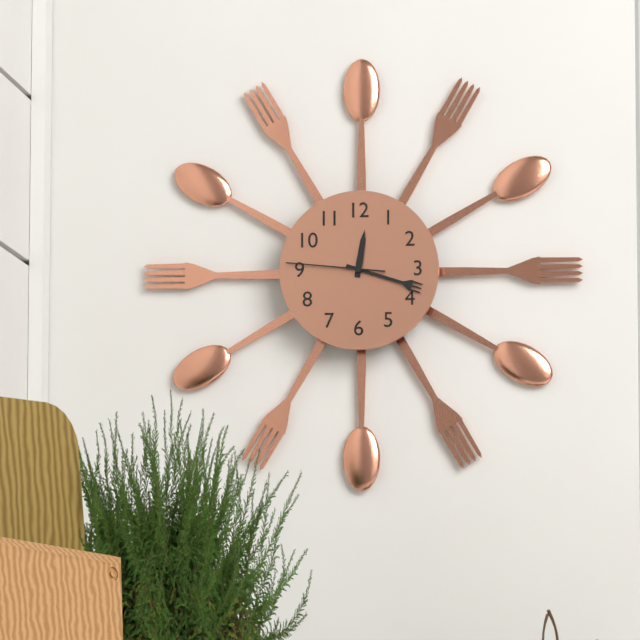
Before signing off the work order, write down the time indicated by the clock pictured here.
12:18:46
